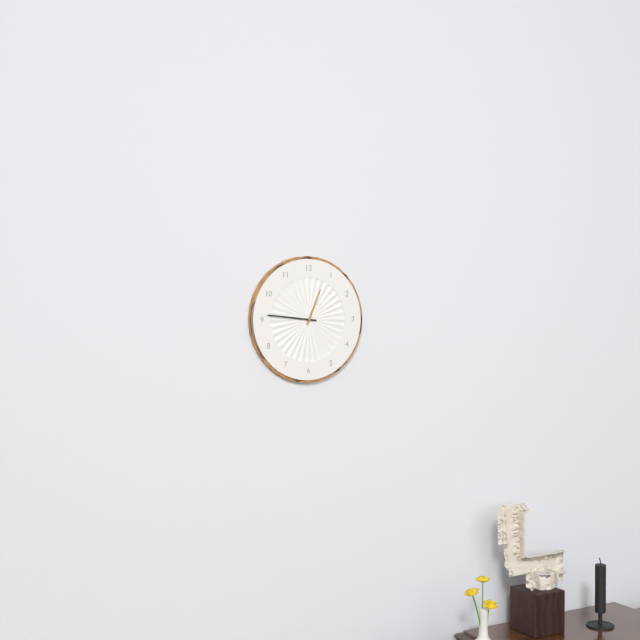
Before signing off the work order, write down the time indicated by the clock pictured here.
12:46
